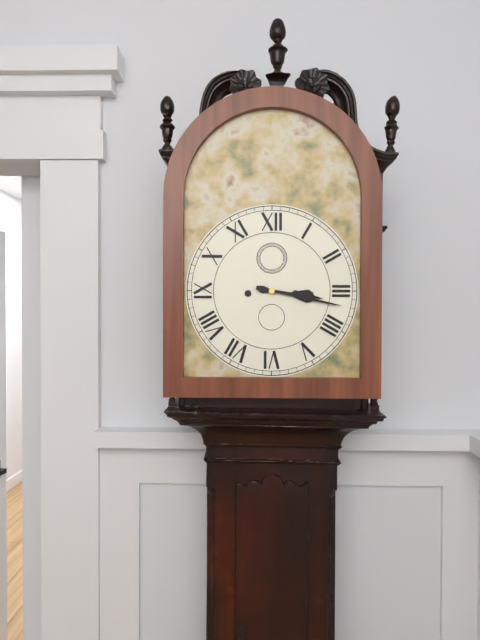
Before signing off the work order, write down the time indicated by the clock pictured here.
3:17
